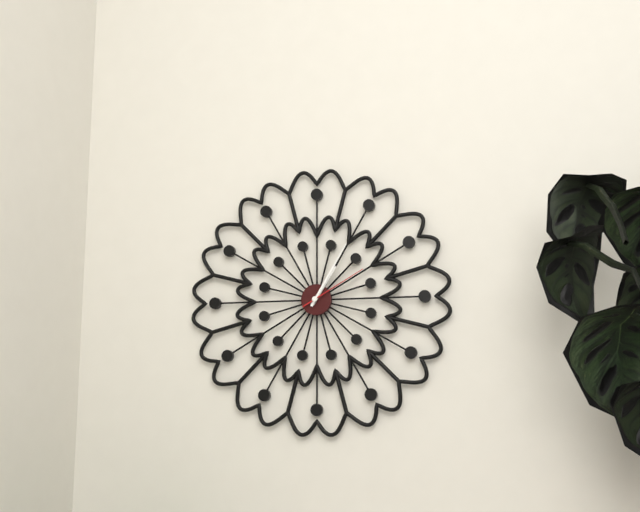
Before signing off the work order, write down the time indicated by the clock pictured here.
1:05:10
